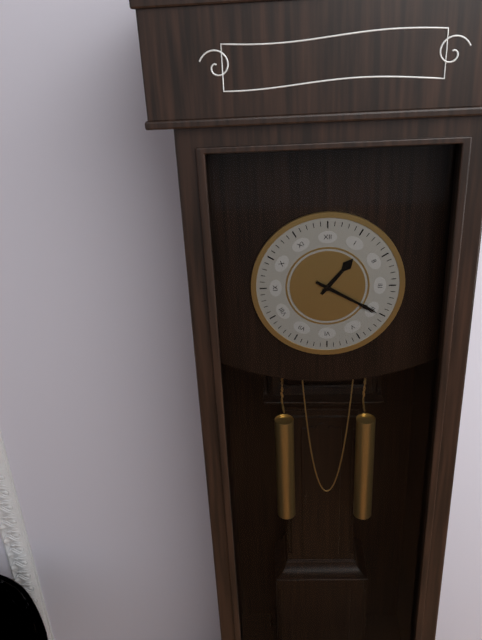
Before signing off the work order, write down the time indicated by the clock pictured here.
1:20
